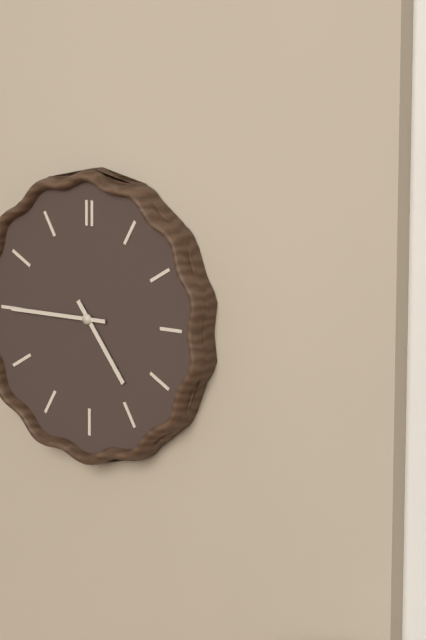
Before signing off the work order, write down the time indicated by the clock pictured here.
4:45
